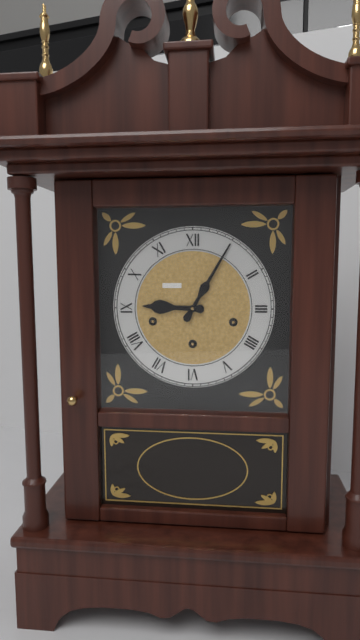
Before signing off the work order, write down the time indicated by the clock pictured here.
9:05
